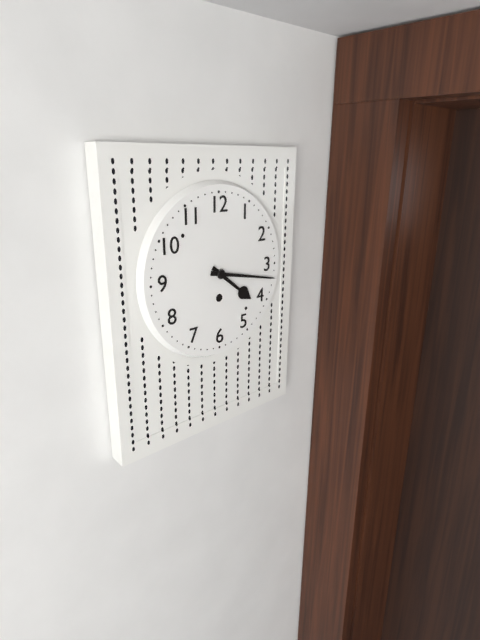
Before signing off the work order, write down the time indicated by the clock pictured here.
4:17
